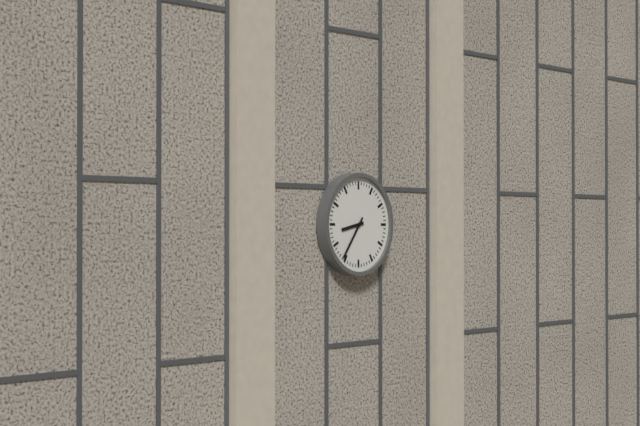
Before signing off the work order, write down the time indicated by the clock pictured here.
8:36
